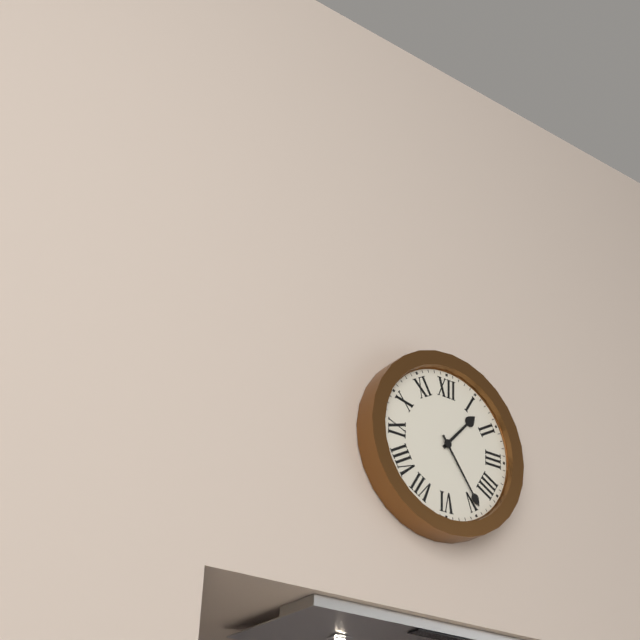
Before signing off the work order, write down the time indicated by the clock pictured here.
1:24
